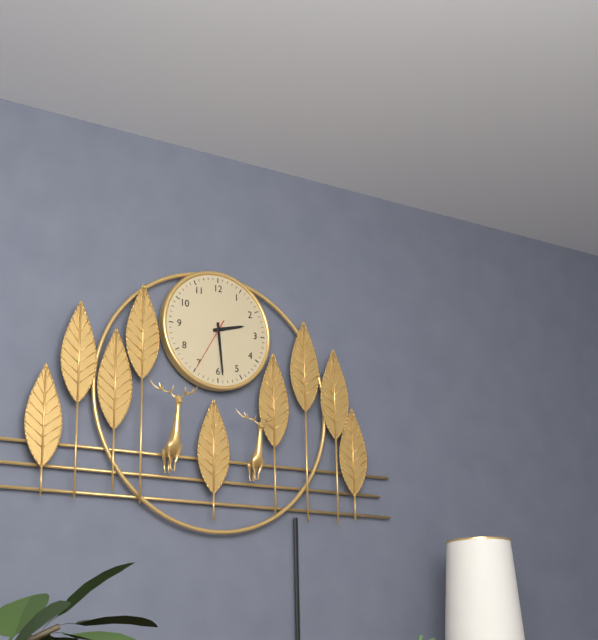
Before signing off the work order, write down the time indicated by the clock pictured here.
2:29:35
